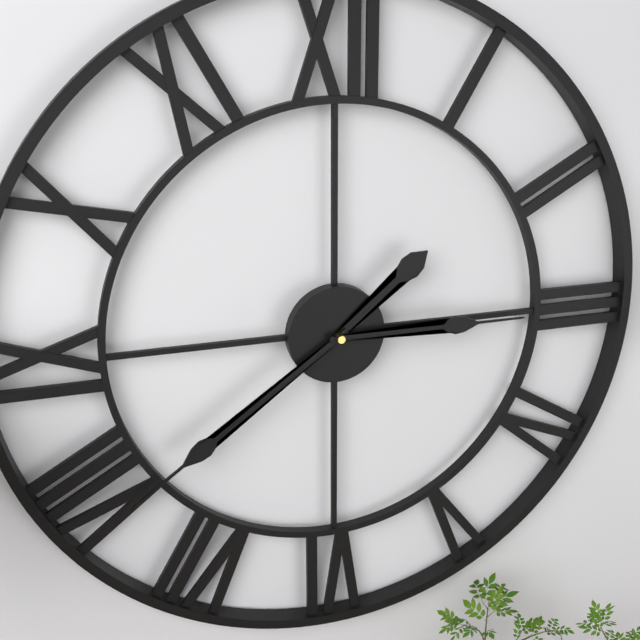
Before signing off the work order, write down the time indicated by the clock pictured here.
1:39:15
